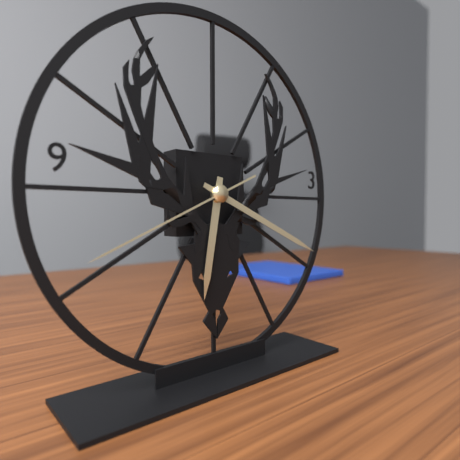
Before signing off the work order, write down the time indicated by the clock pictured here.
6:19:41
